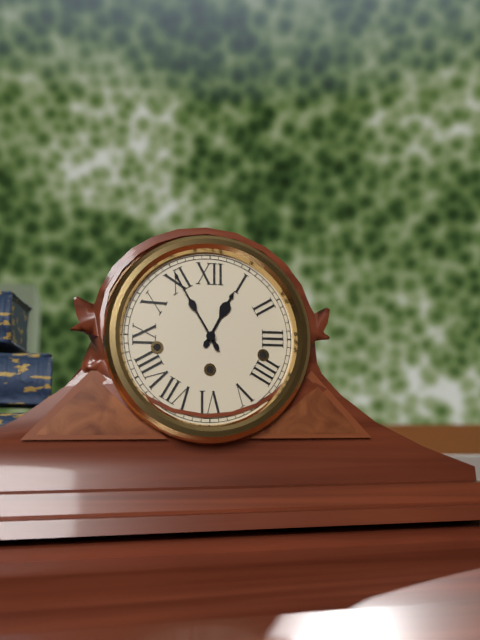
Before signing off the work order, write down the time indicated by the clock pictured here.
12:55
